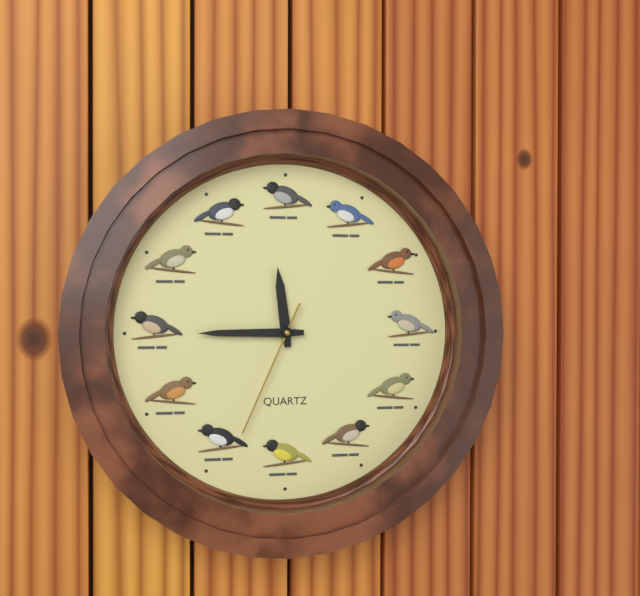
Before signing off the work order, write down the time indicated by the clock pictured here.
11:45:34
